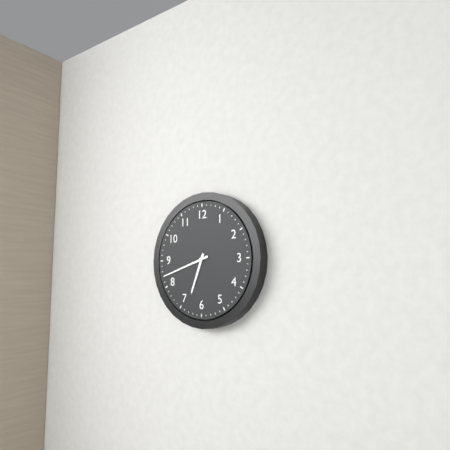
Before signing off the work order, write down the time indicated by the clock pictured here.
6:42
